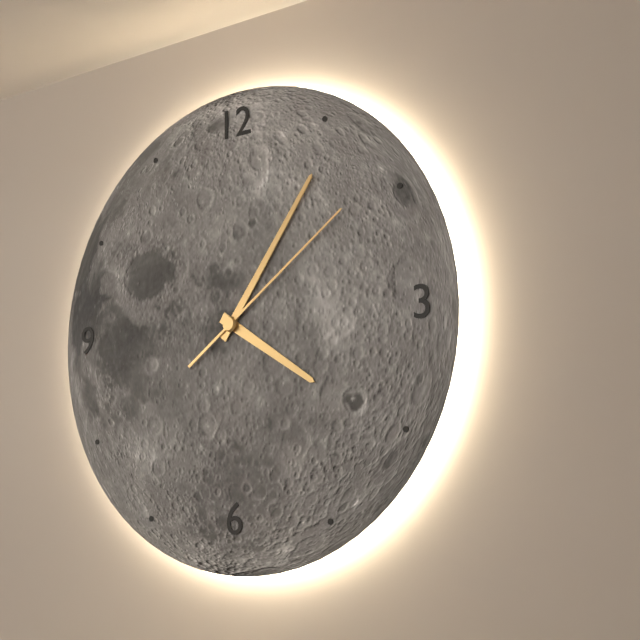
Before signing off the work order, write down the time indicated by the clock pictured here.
4:06:09
